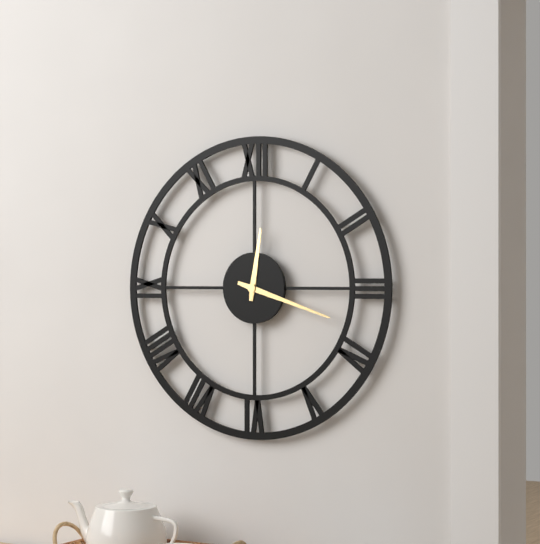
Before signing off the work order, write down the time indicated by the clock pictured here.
12:18
